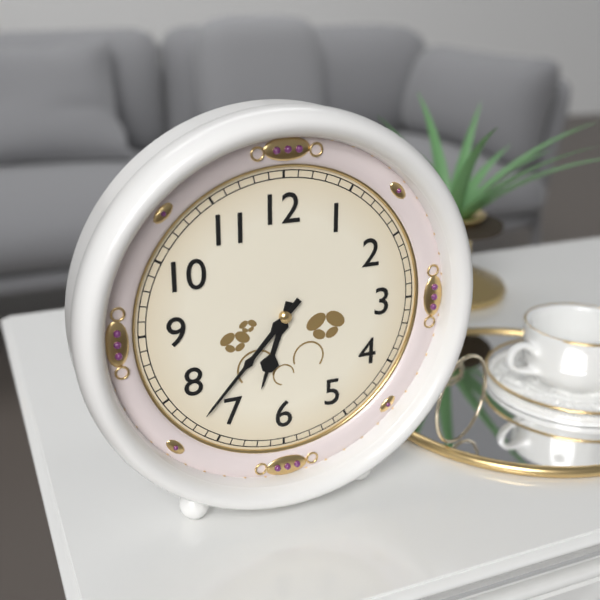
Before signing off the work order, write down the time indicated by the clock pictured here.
6:37
